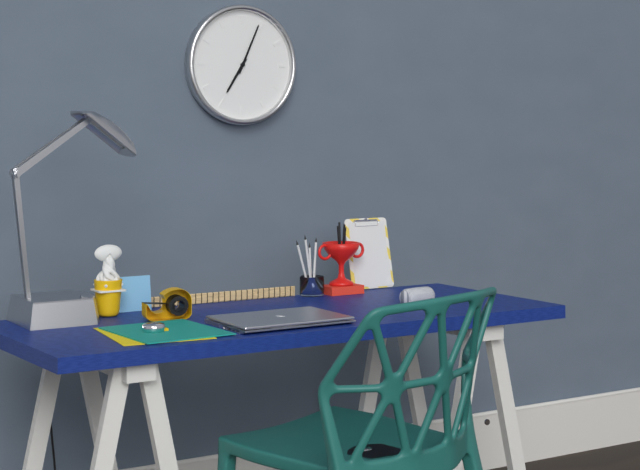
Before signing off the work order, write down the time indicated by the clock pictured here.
7:04
